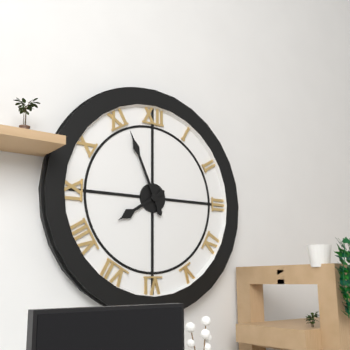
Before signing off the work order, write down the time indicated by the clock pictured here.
7:56
